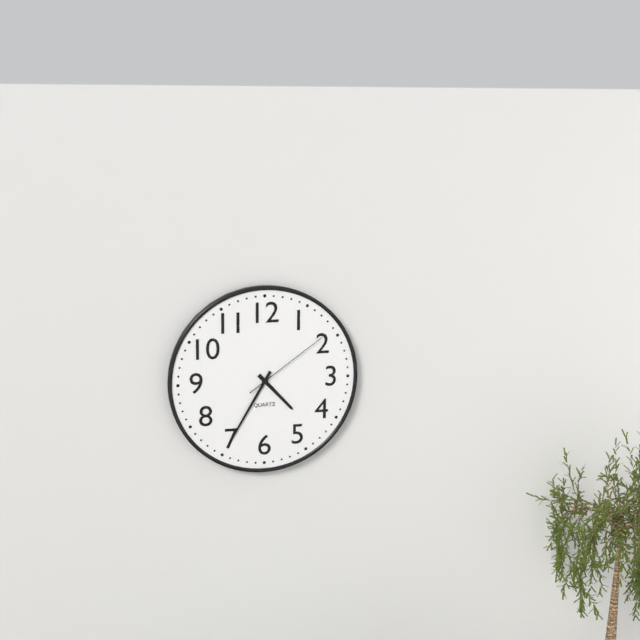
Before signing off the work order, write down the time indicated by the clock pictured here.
4:35:09
